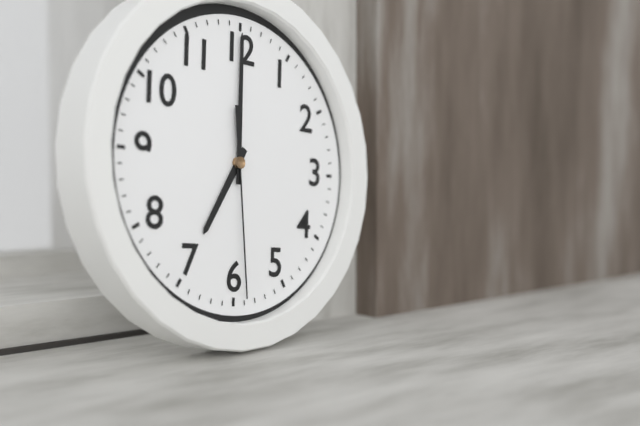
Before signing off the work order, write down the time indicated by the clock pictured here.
7:00:29
